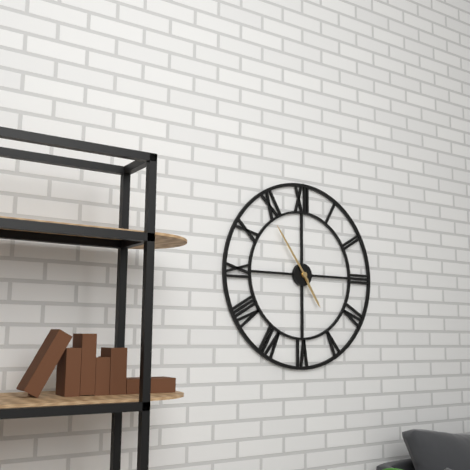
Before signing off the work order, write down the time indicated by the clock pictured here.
4:54
